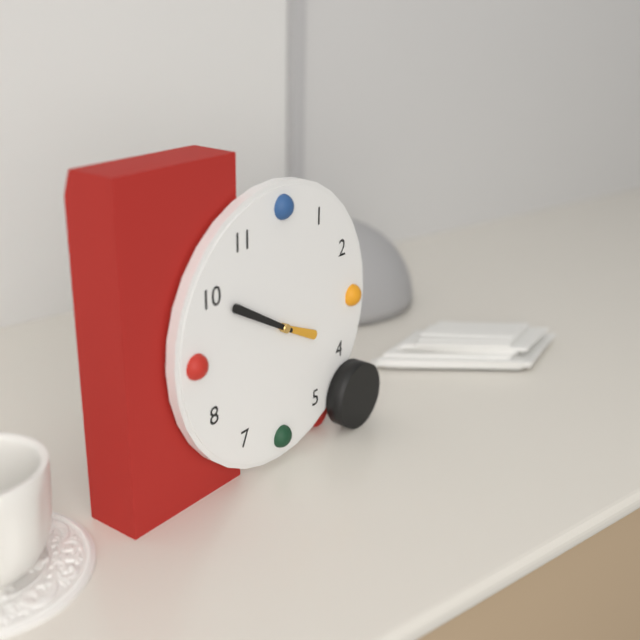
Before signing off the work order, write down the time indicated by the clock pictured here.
3:50
